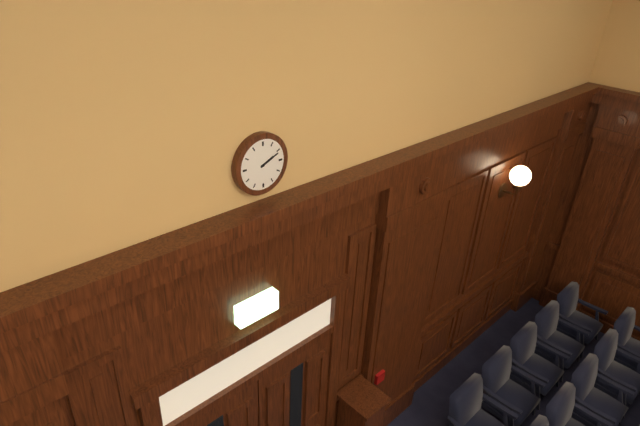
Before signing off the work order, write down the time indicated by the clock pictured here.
2:11
